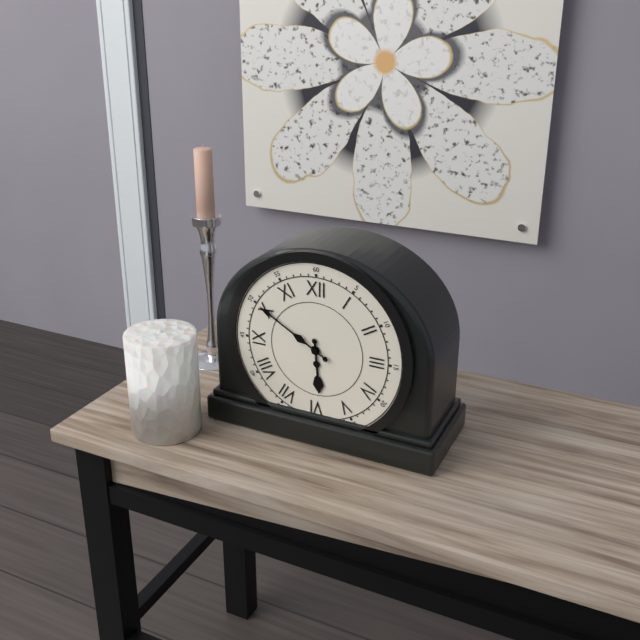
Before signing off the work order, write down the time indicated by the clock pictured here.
5:50
